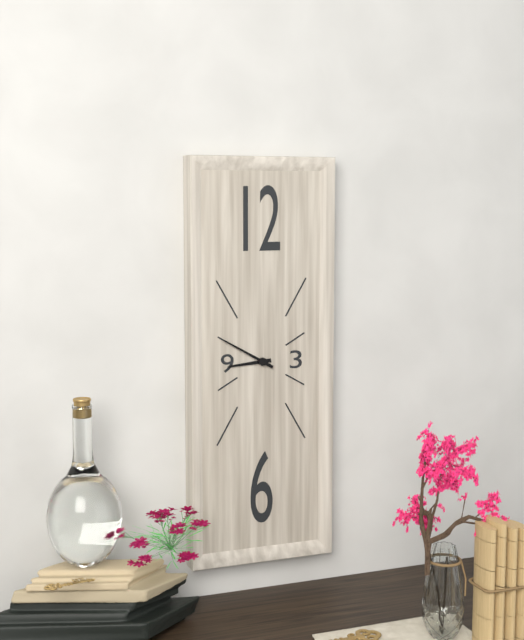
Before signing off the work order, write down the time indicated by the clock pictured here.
8:50
